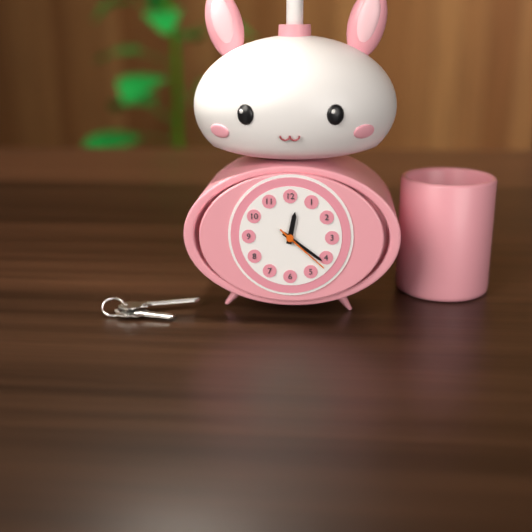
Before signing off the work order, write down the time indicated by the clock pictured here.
12:21:22
